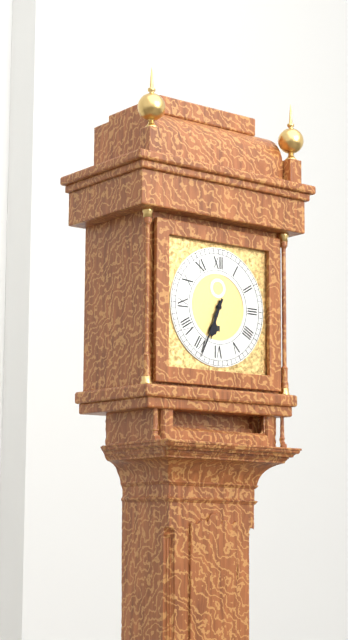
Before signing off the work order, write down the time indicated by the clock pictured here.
6:34
